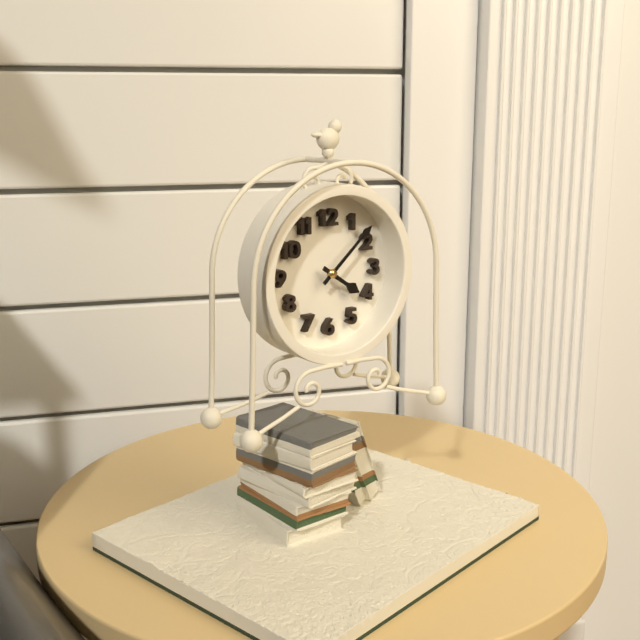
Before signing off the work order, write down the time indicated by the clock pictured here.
4:08
